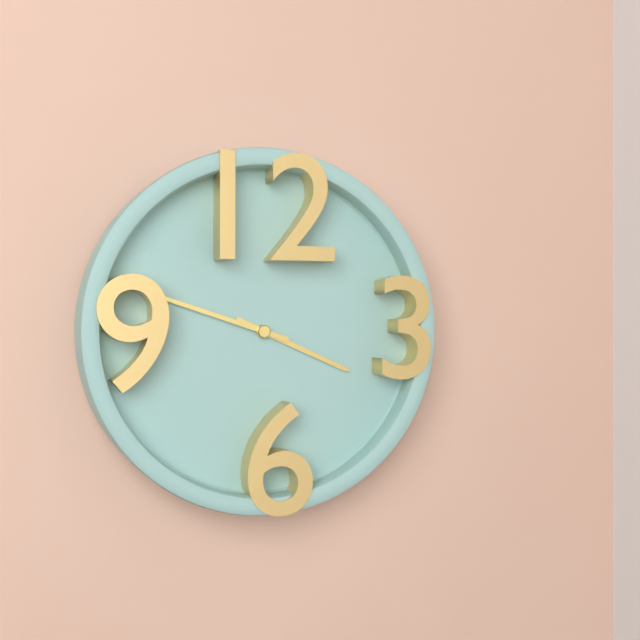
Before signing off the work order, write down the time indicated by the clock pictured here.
3:48
